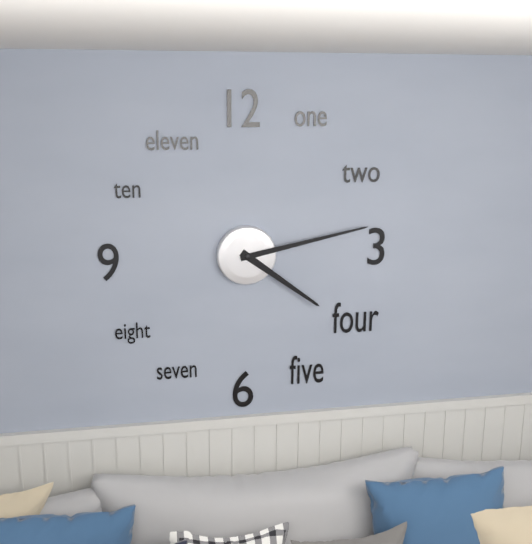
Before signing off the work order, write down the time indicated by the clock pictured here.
4:13
